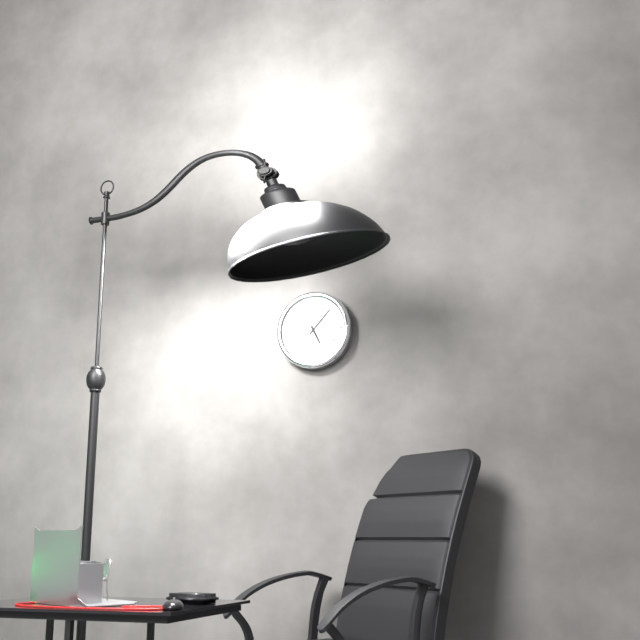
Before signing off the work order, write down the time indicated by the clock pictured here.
5:07
